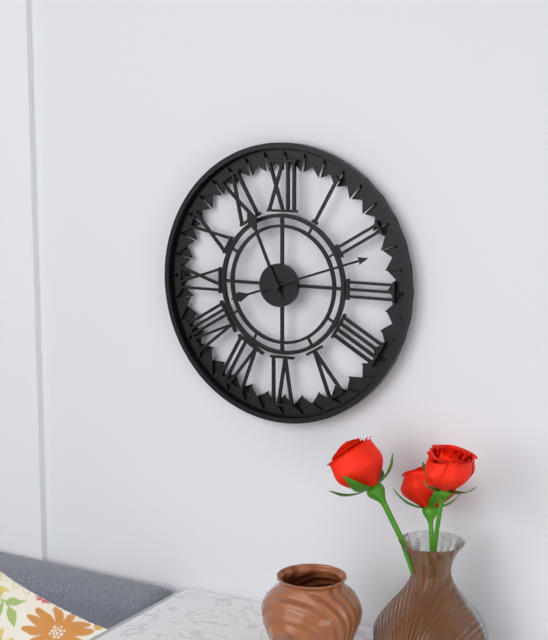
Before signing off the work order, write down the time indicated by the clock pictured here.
11:12
